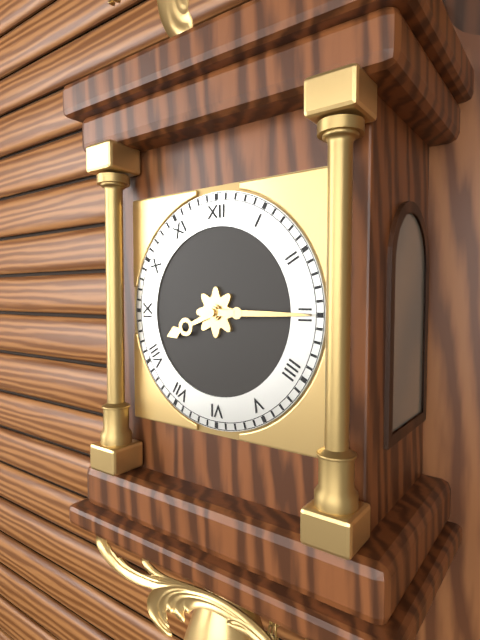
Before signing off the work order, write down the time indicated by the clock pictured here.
8:15
